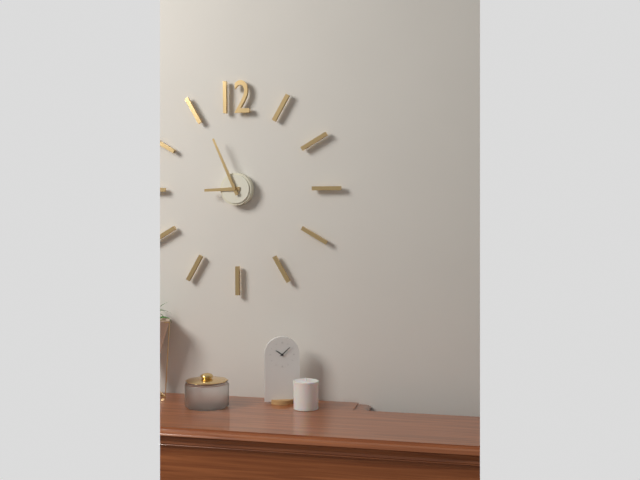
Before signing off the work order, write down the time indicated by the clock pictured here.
8:56
